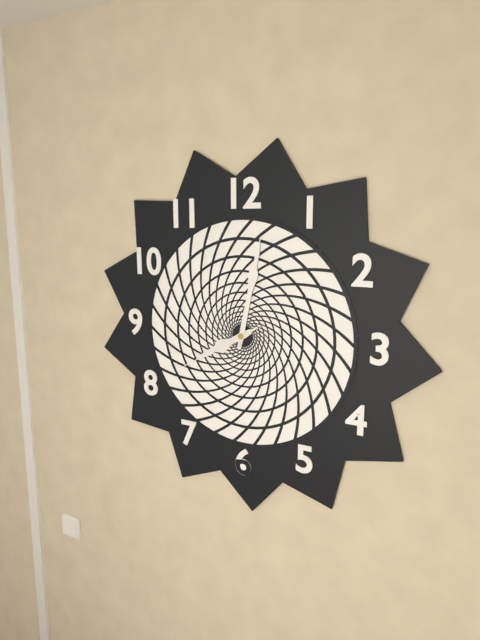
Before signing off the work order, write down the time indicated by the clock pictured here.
8:02:40
